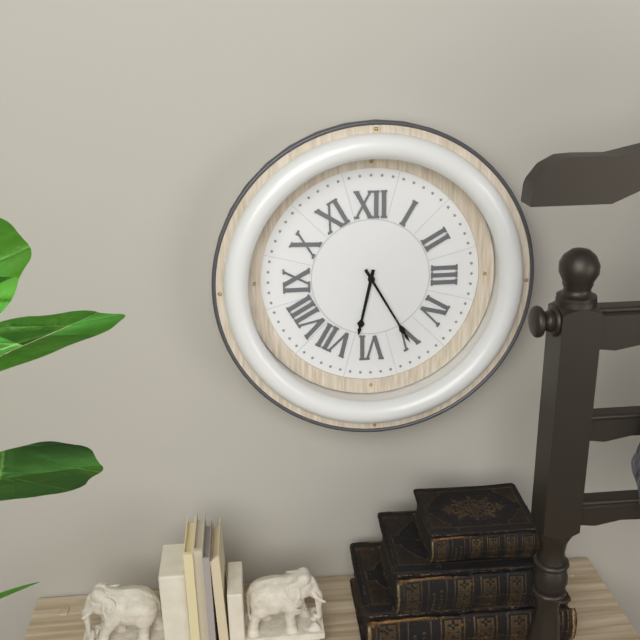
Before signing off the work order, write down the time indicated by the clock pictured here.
6:25
